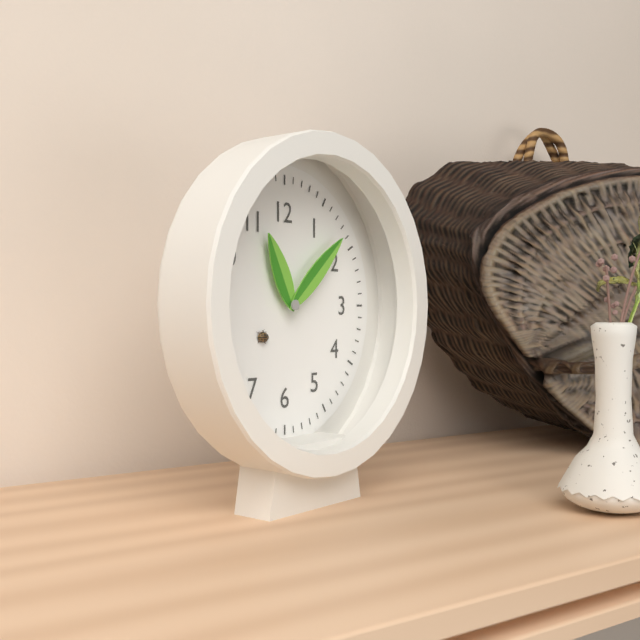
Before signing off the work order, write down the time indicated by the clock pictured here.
11:08
